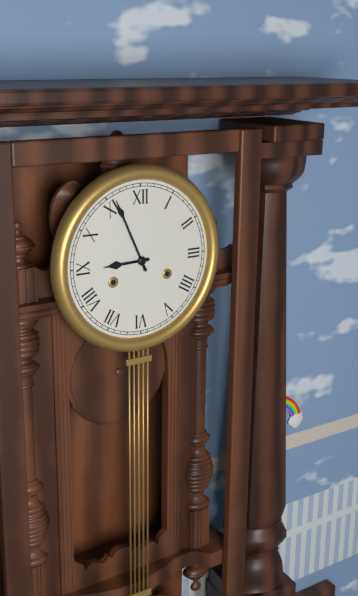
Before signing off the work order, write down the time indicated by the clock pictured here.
8:56
